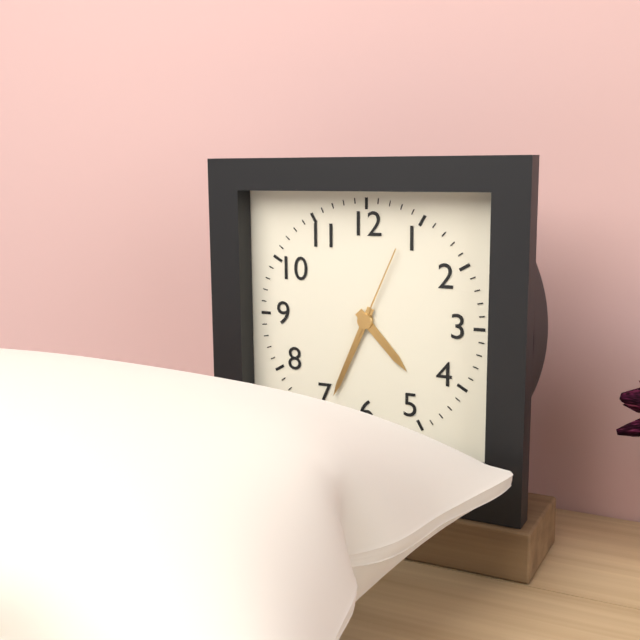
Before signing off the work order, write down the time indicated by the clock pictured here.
4:34:04
